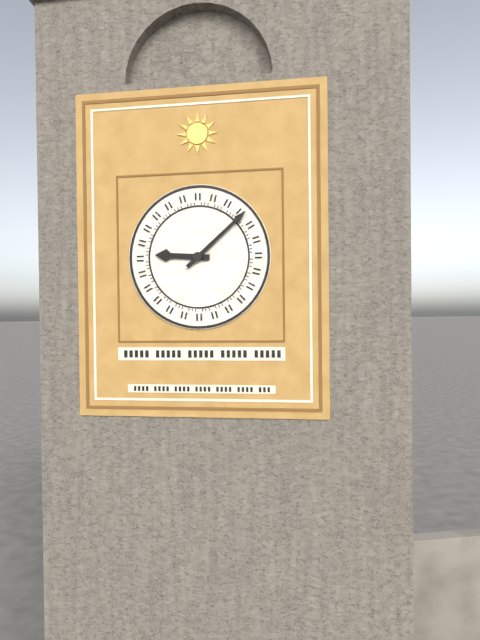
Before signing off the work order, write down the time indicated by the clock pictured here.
9:08
